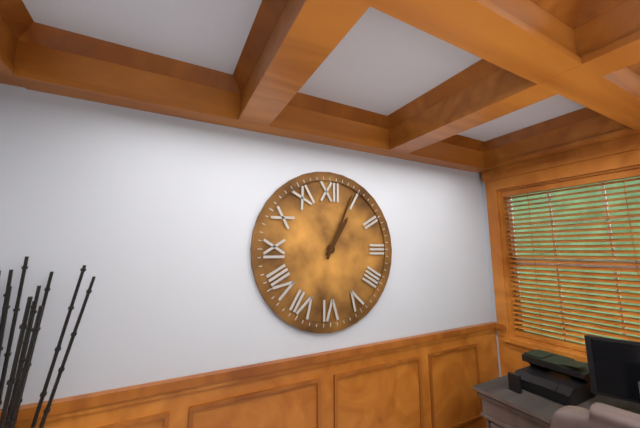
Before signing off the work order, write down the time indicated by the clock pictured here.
1:04
